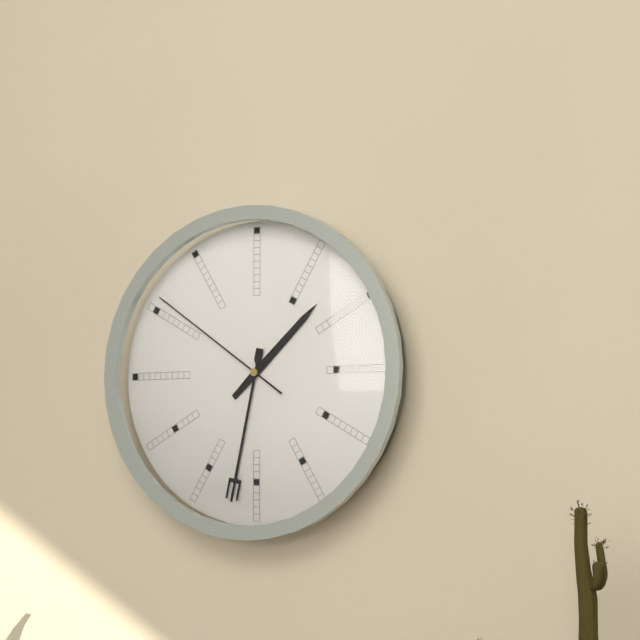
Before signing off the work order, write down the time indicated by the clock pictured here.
1:32:51
